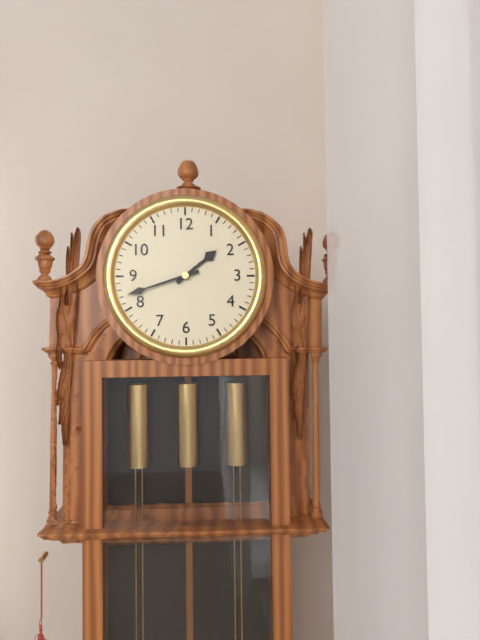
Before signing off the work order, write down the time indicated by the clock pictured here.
1:42
